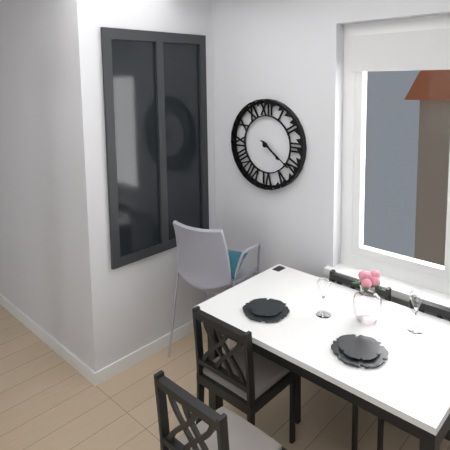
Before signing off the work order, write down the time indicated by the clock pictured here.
4:21
